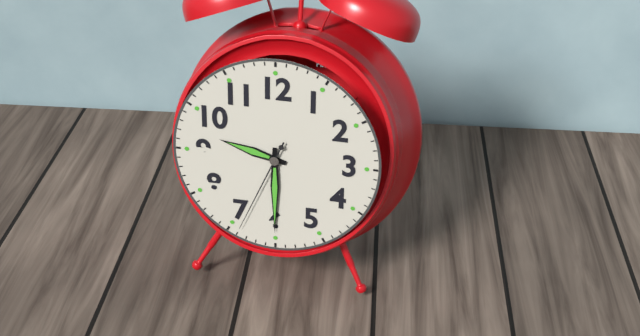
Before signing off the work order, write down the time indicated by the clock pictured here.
9:30:34
